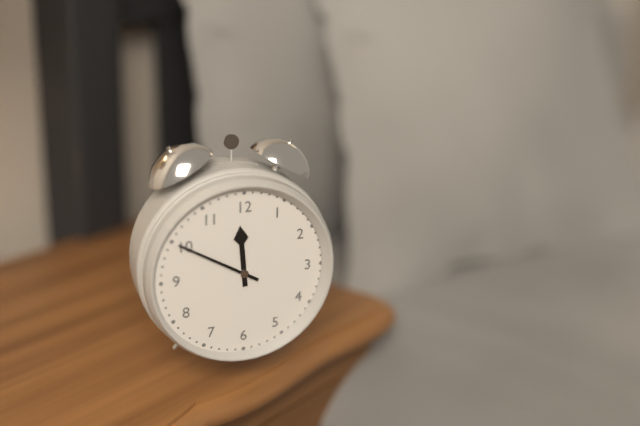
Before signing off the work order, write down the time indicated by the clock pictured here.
11:50
